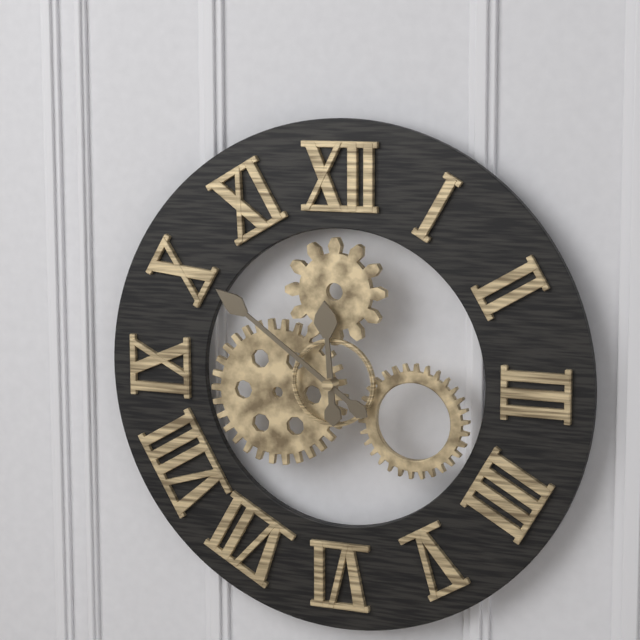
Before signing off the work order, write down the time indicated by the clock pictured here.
11:51
